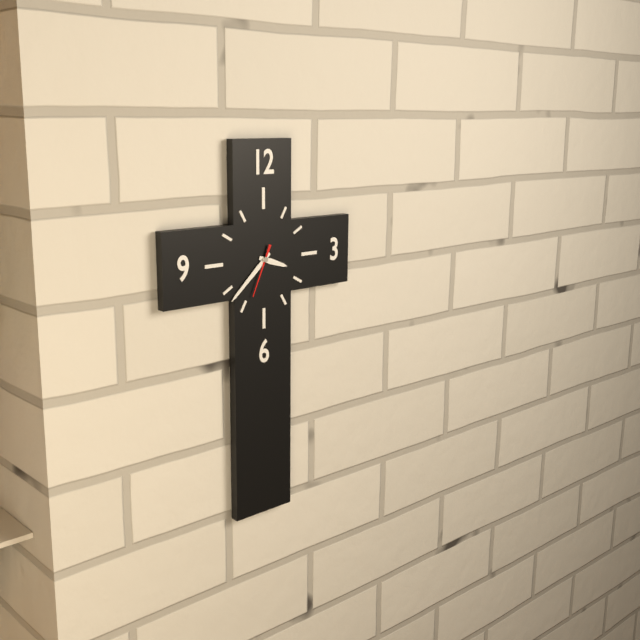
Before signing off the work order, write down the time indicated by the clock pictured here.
3:38
